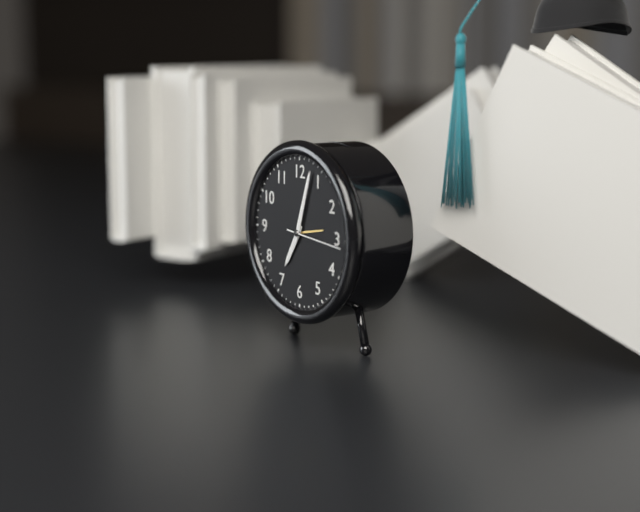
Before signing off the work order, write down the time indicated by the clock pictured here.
7:03:16
